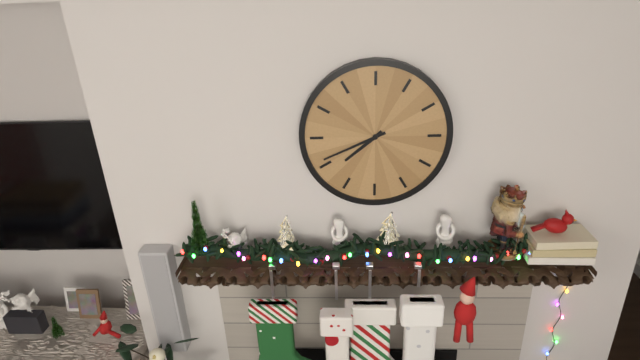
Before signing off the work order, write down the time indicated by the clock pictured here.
7:41
